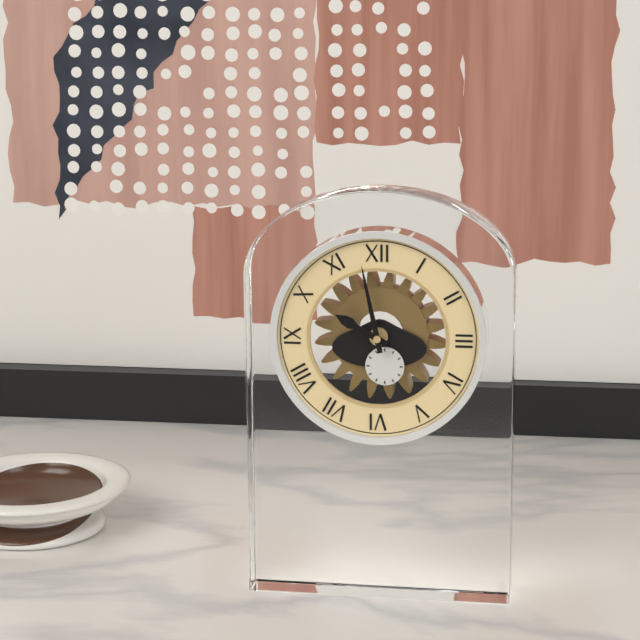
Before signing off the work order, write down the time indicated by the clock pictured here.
9:58
